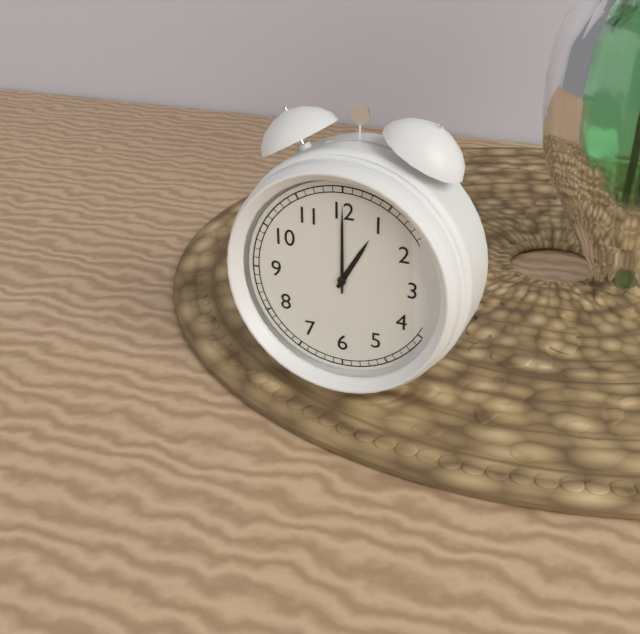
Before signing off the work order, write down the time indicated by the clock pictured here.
1:00
